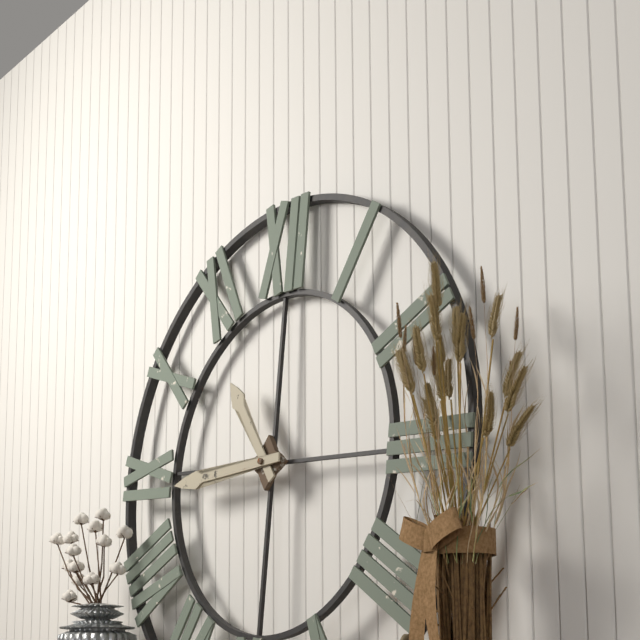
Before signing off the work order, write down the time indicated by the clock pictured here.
10:44
